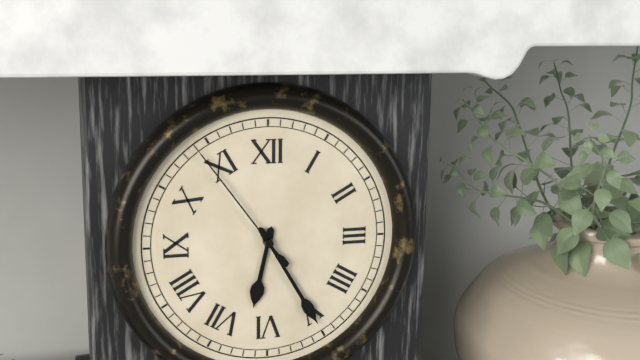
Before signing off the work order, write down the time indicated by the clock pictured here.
6:25:54
